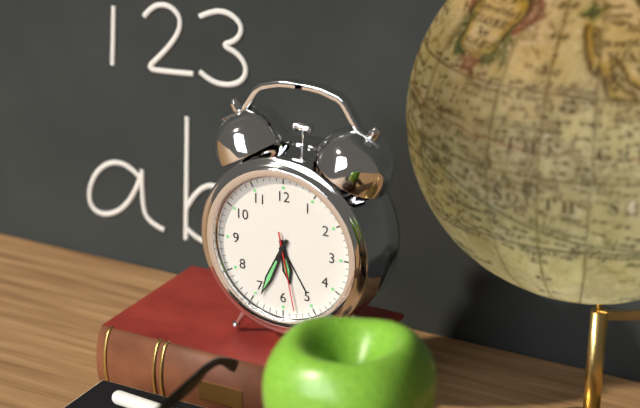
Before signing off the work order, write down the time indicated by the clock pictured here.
5:34:28
